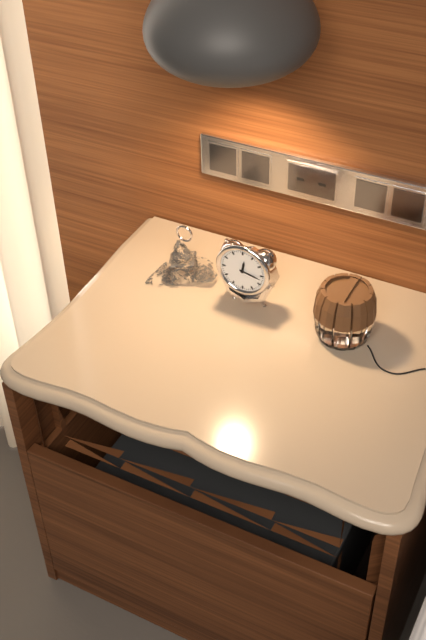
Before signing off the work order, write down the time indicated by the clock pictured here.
12:17
